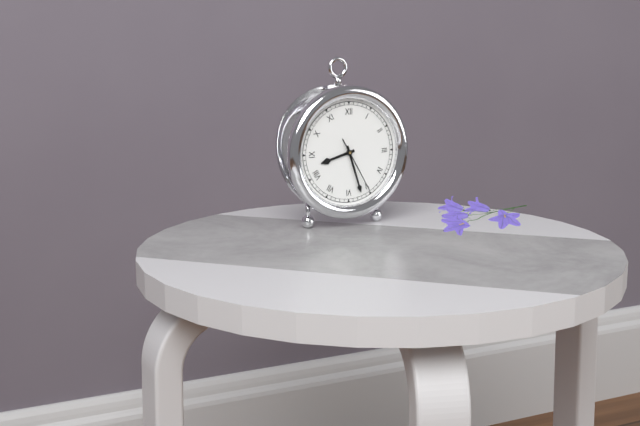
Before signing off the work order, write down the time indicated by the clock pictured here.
8:27:25
